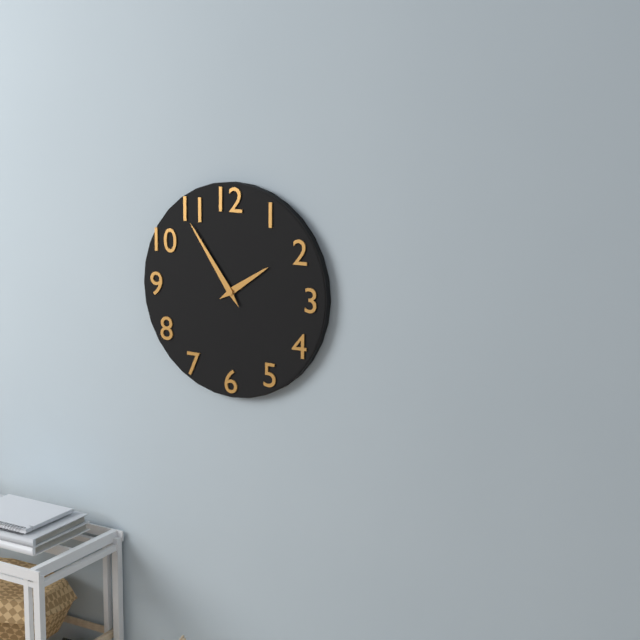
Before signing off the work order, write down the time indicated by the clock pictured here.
1:54
